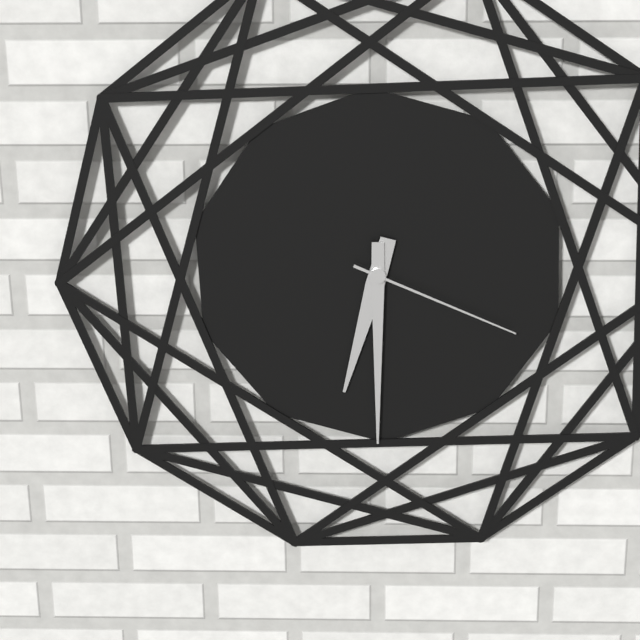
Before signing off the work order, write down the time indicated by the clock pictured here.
6:30:19
